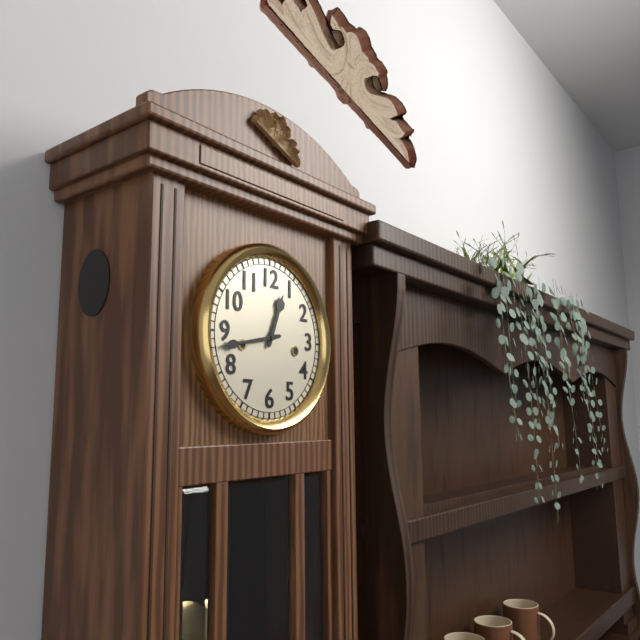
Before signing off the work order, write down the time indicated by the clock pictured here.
12:43
